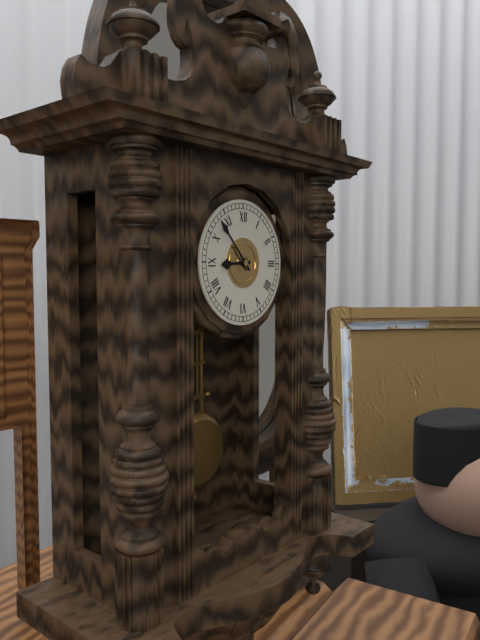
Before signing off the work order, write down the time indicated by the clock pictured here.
8:53
